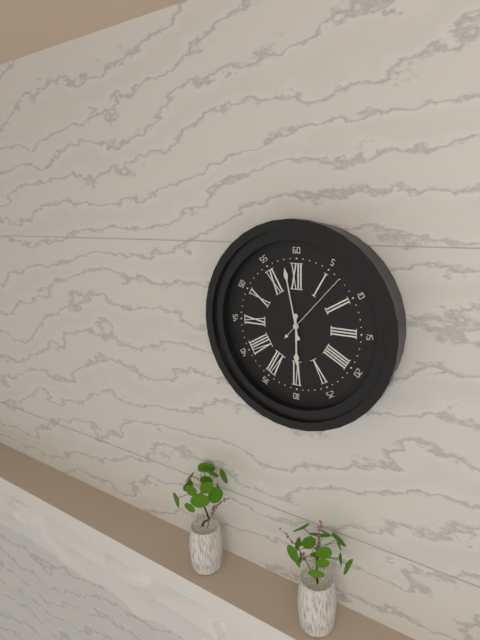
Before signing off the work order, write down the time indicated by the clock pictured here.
5:58:07
